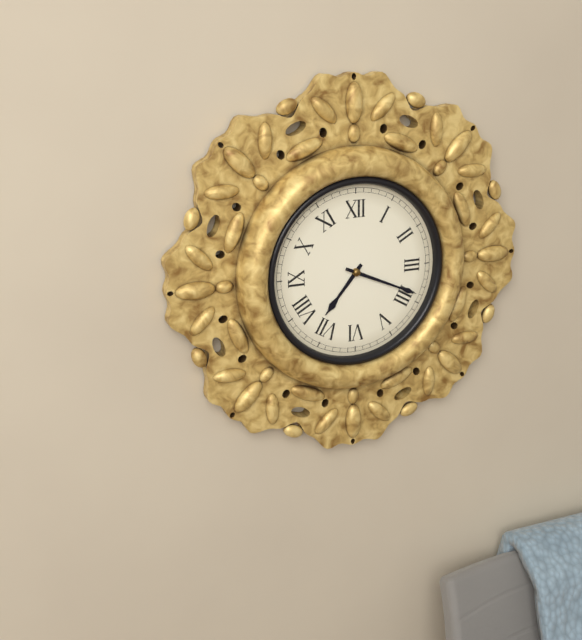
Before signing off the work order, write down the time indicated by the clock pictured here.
7:19
